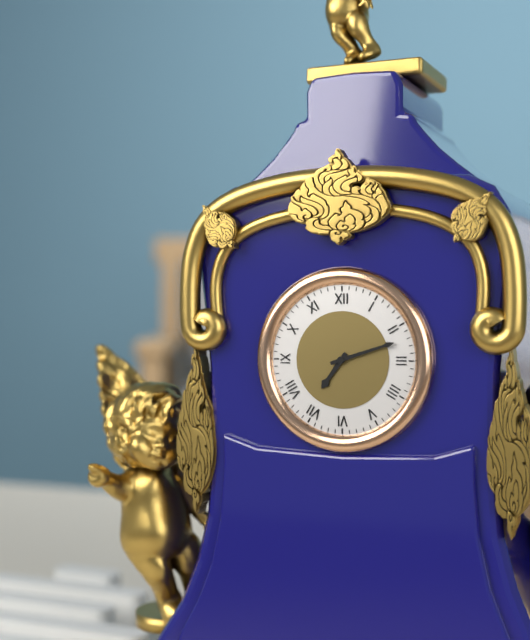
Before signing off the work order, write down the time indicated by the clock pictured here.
7:12
